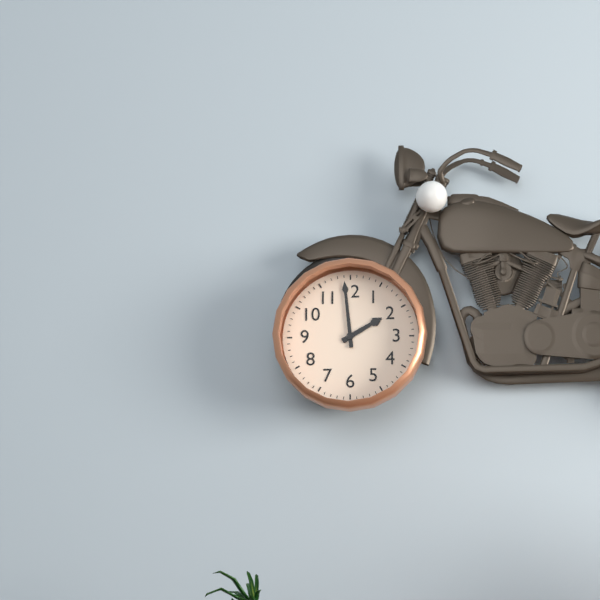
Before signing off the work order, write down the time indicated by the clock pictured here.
1:59
